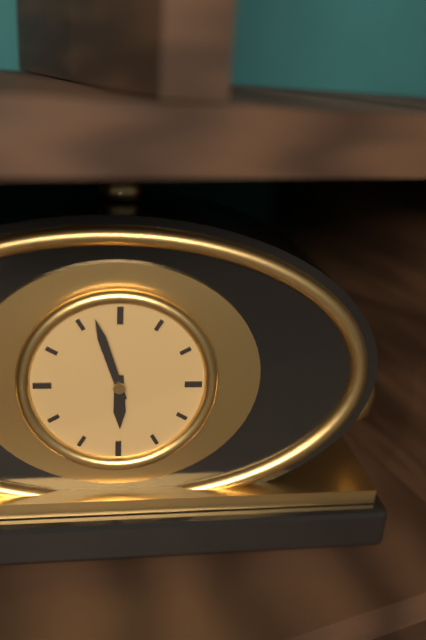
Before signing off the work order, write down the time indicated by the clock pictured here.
5:57
